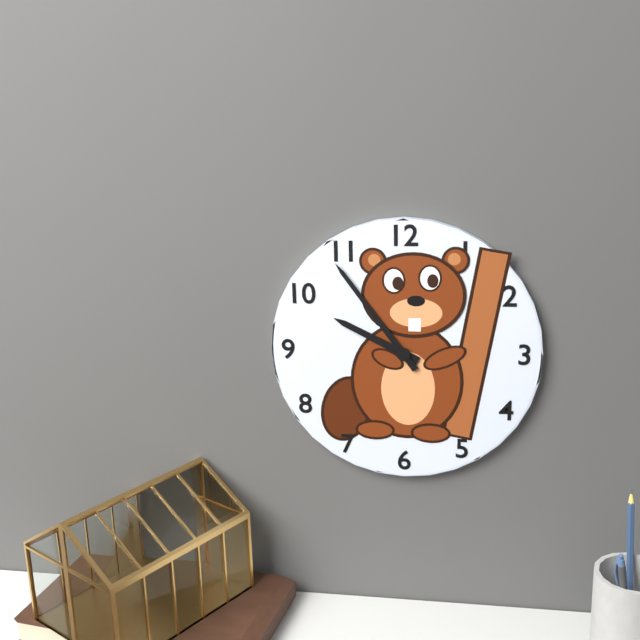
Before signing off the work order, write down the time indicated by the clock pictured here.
9:54
